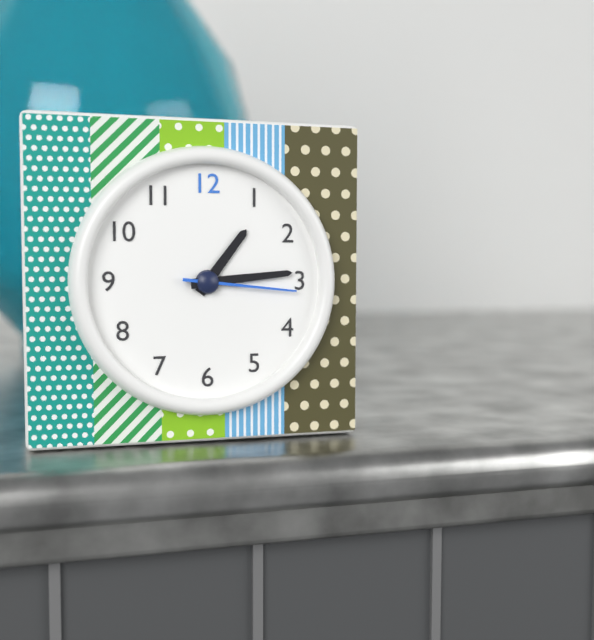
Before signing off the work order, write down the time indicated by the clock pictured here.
1:14:16
